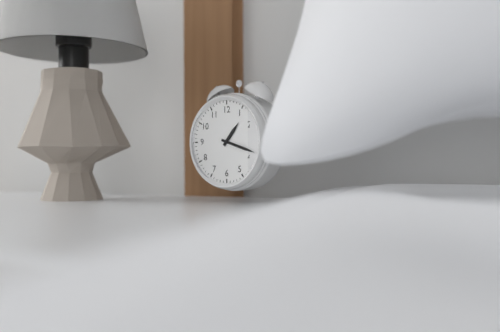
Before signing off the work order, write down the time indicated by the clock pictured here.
1:18
